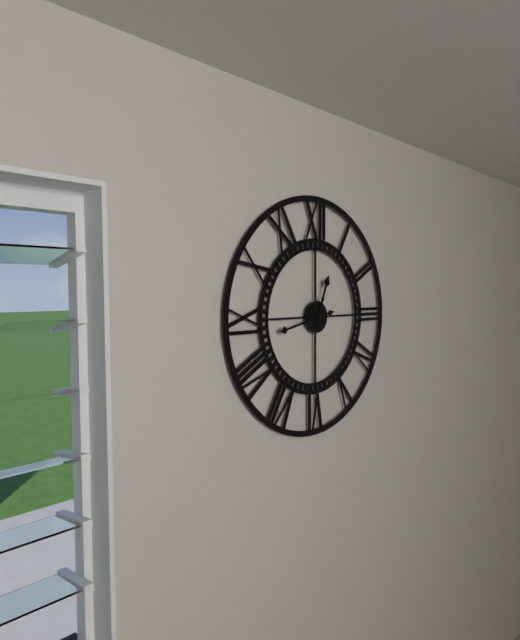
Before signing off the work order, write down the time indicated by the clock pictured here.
12:43
